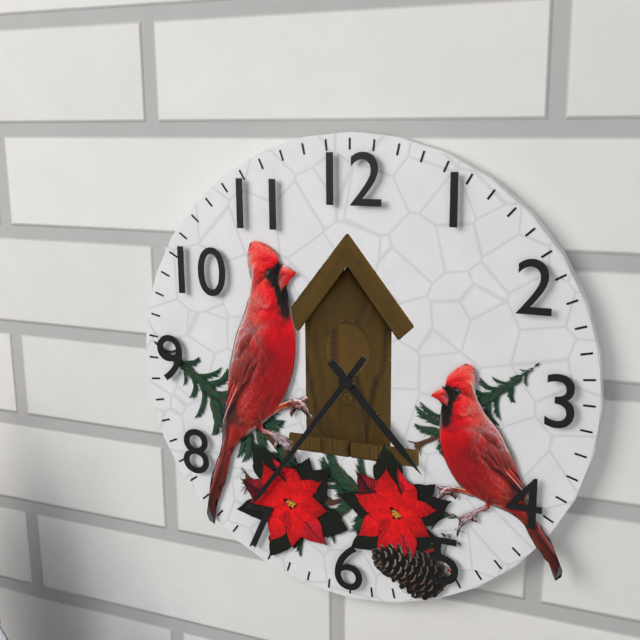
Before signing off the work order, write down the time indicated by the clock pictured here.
4:36
